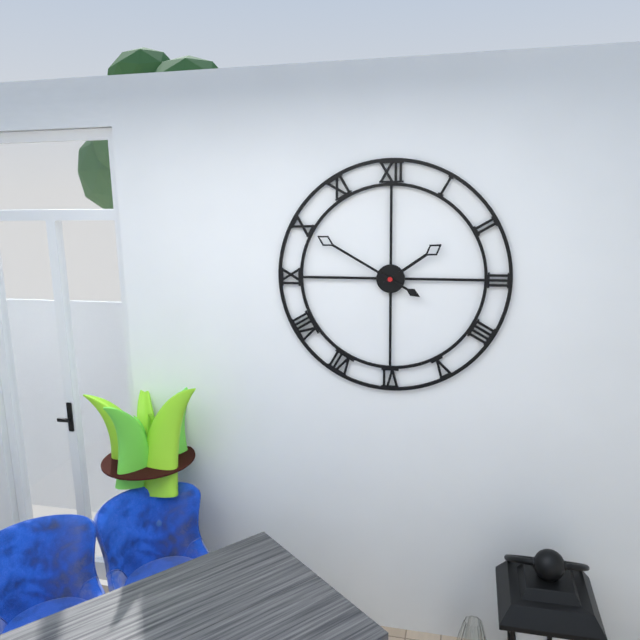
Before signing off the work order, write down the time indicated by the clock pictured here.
1:50
